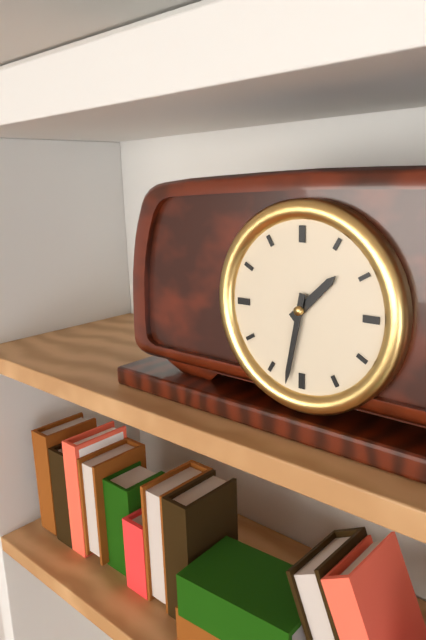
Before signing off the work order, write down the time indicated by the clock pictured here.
1:32
